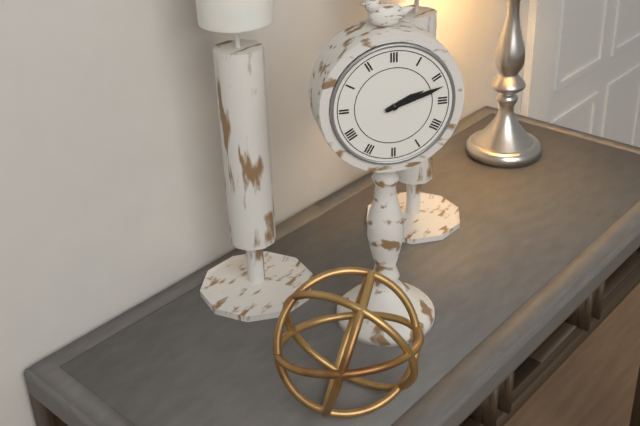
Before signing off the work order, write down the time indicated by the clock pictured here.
2:12
